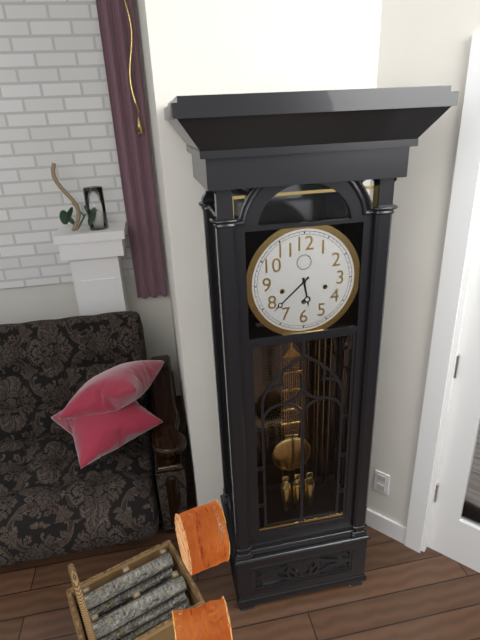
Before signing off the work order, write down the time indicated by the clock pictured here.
5:38
